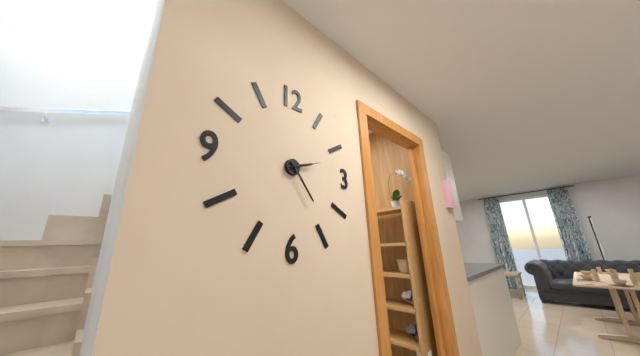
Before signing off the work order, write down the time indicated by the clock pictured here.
2:24
